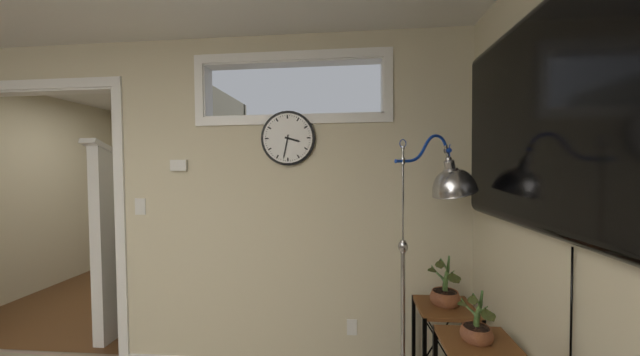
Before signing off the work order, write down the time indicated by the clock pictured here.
3:32
